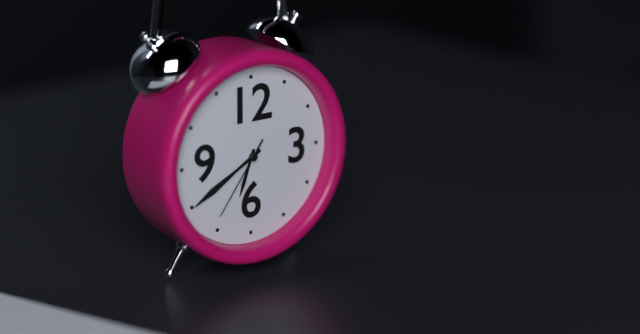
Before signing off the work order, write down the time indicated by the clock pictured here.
6:40:36
